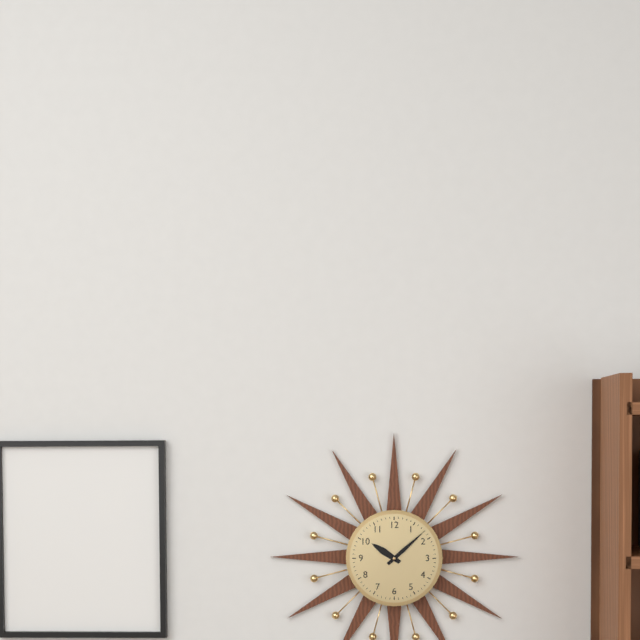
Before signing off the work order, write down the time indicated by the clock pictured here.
10:08
